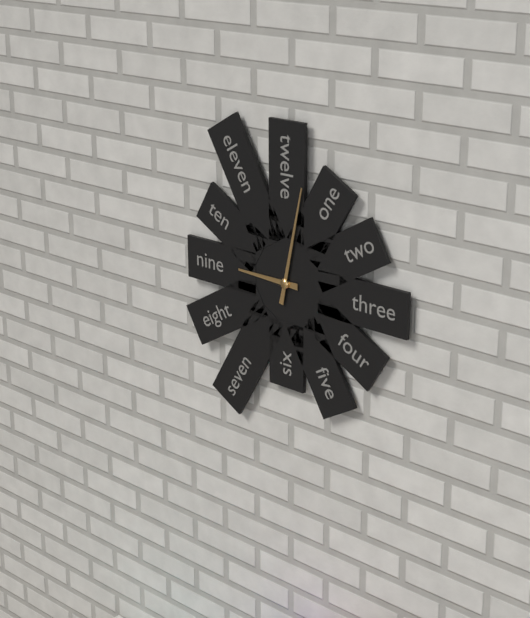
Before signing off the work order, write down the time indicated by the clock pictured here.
9:02
